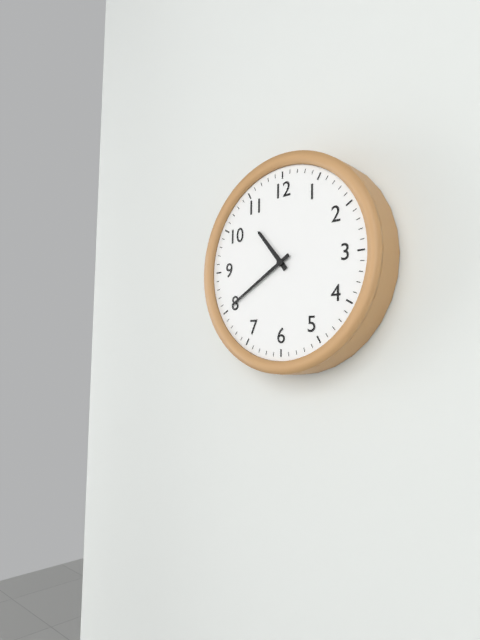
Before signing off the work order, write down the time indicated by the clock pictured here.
10:40
